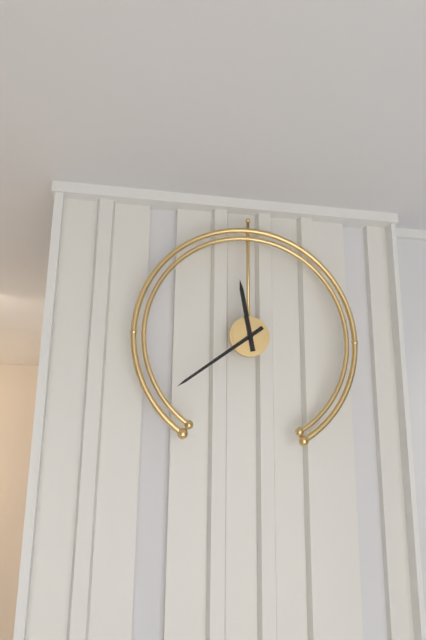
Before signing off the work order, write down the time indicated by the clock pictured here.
11:39
